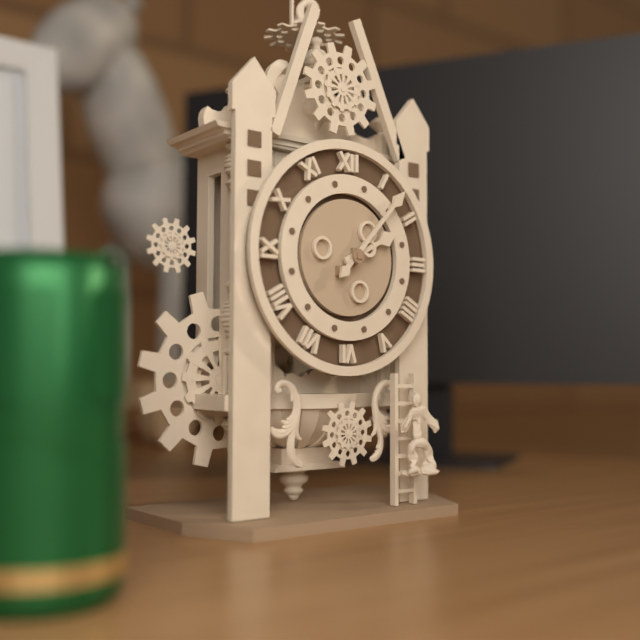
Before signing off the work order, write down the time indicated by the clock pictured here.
2:07
